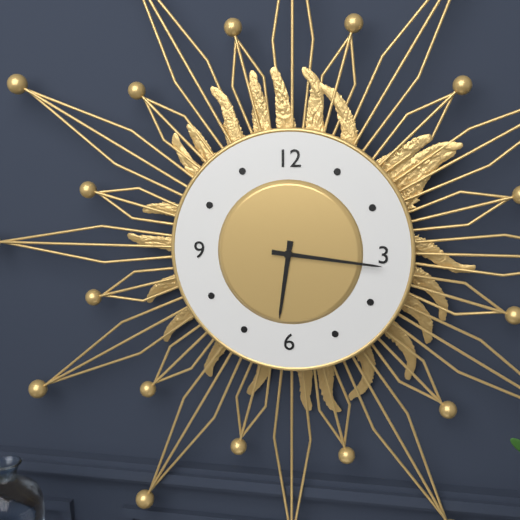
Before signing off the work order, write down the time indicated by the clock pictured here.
6:16
